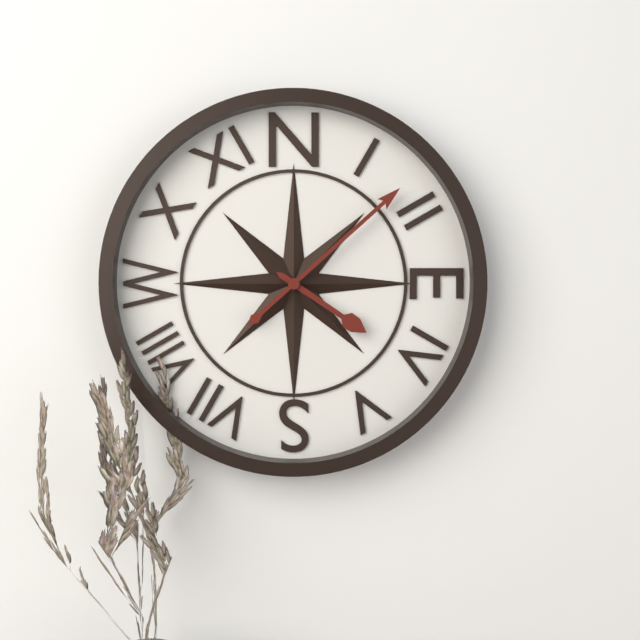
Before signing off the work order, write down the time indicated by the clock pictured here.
4:08
